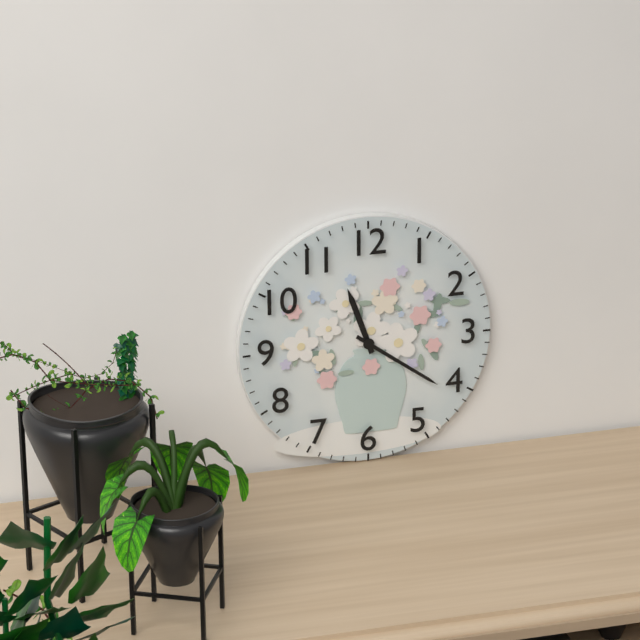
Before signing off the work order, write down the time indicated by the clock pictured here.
11:21
